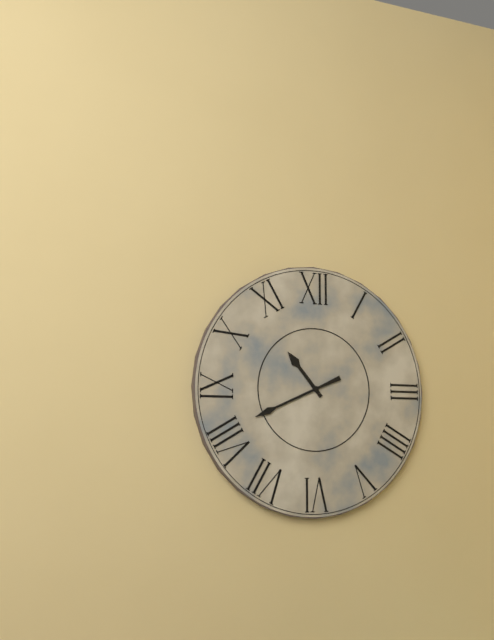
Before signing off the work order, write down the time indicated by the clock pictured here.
10:41
